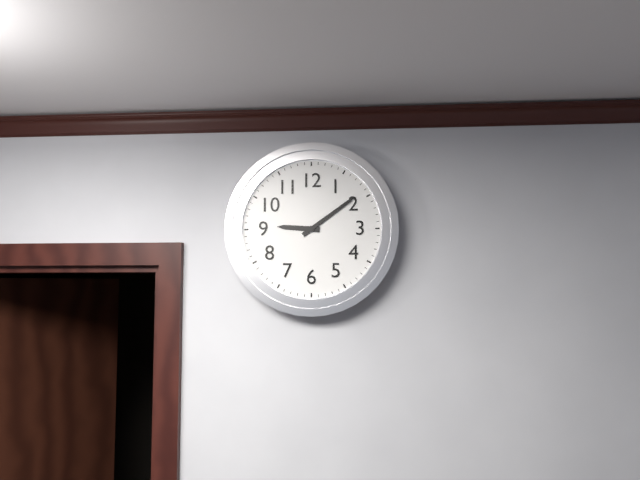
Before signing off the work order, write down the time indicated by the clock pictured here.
9:09
